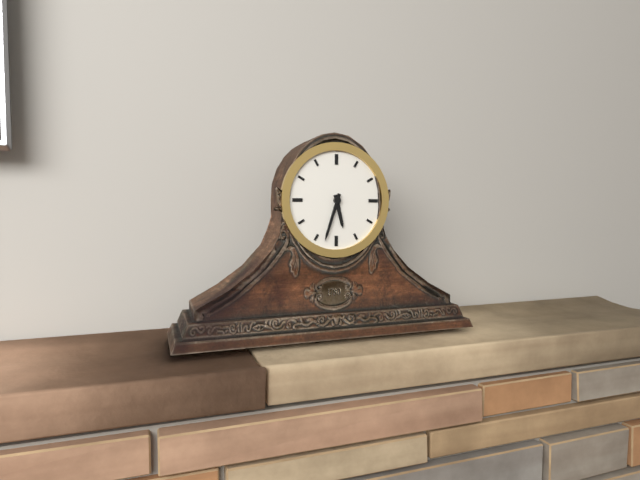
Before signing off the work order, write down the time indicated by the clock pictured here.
5:33
